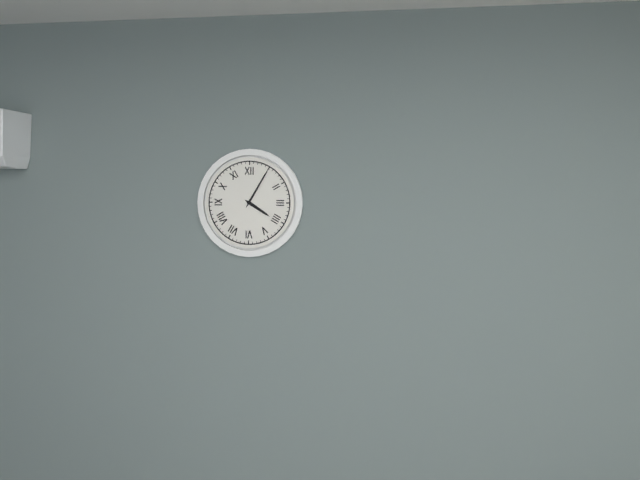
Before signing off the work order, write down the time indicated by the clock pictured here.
4:05
